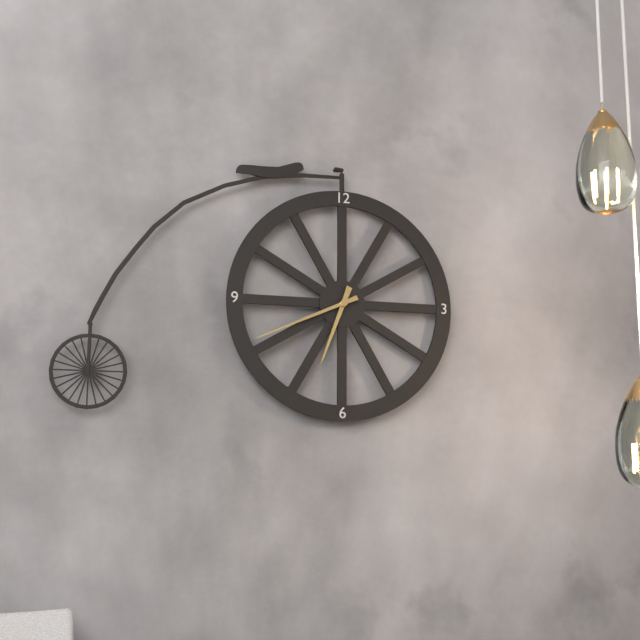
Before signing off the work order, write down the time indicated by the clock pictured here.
6:41
